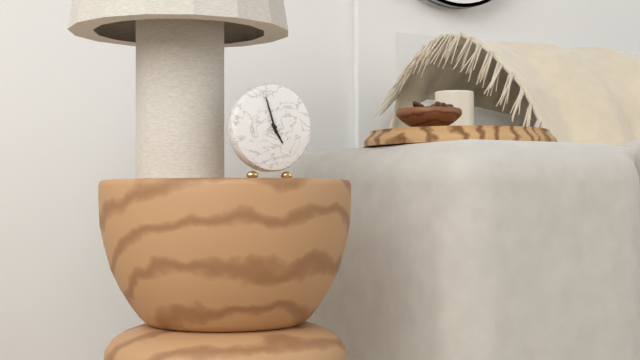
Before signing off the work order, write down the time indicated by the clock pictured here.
4:57
